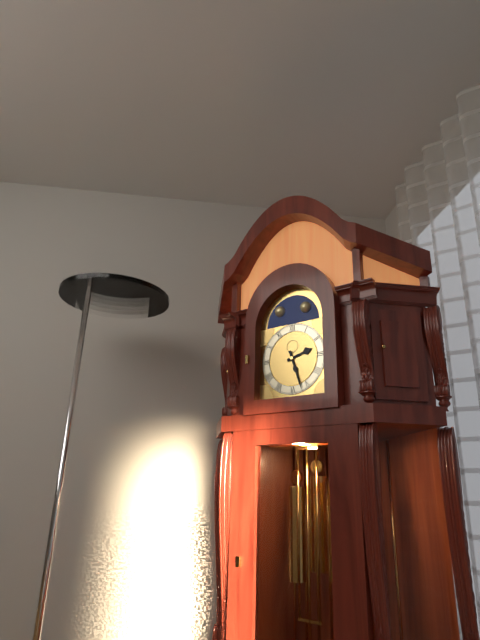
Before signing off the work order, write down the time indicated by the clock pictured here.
2:27
